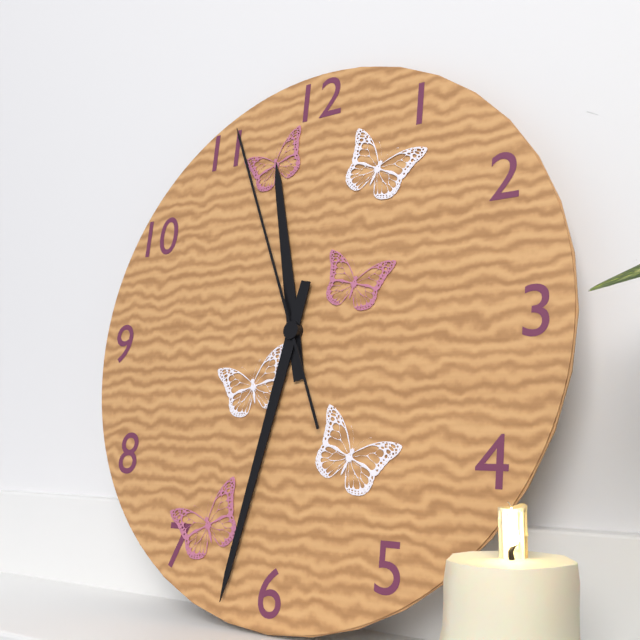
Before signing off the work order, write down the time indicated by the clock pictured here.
11:32:56
